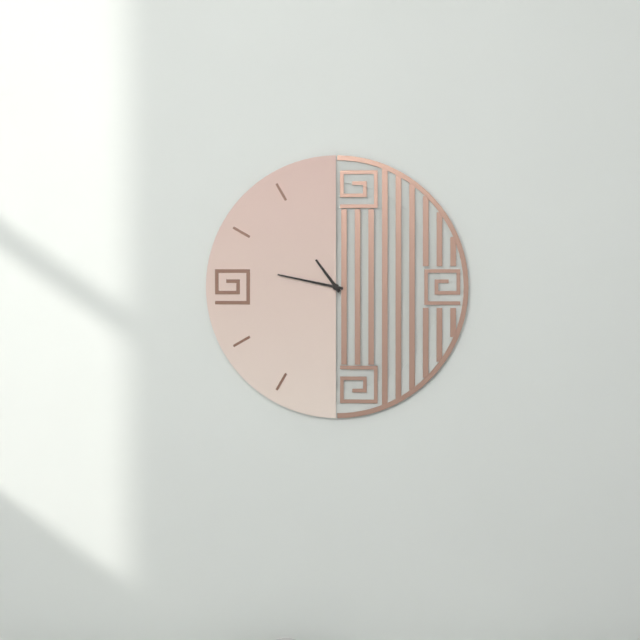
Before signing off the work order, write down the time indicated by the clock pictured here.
10:47
